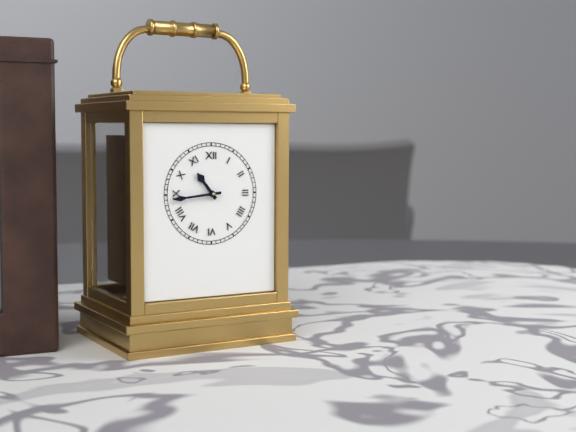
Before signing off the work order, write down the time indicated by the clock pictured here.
10:44
